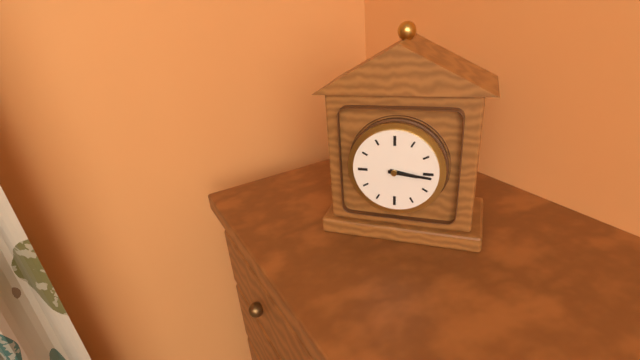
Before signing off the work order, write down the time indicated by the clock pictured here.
3:16
